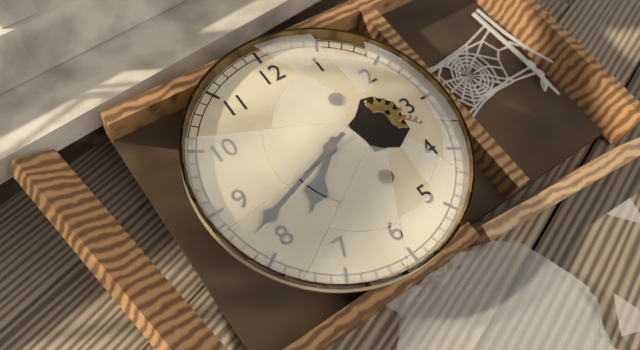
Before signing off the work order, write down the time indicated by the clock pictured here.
7:42
